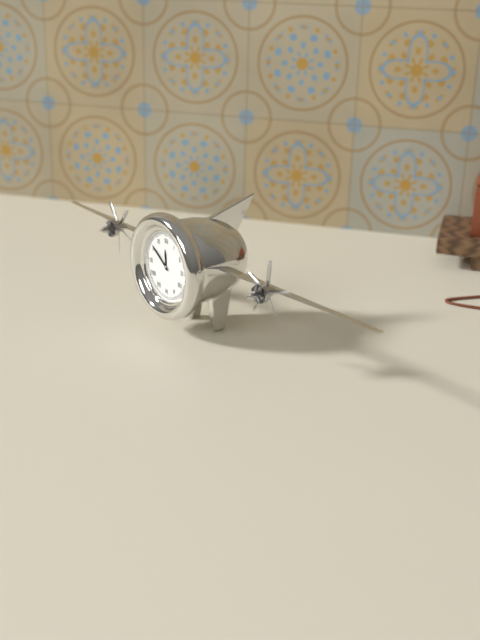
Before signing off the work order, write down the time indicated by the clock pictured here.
11:51
